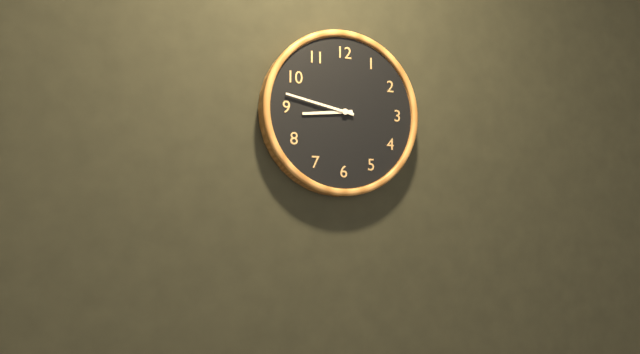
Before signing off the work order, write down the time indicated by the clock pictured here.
8:47
